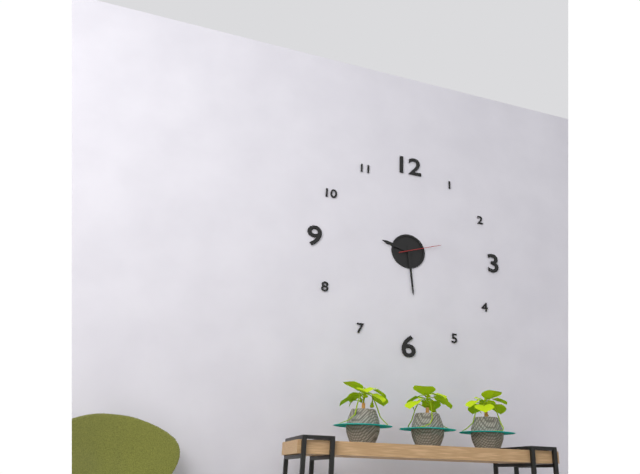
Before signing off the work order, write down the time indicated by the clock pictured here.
9:29
